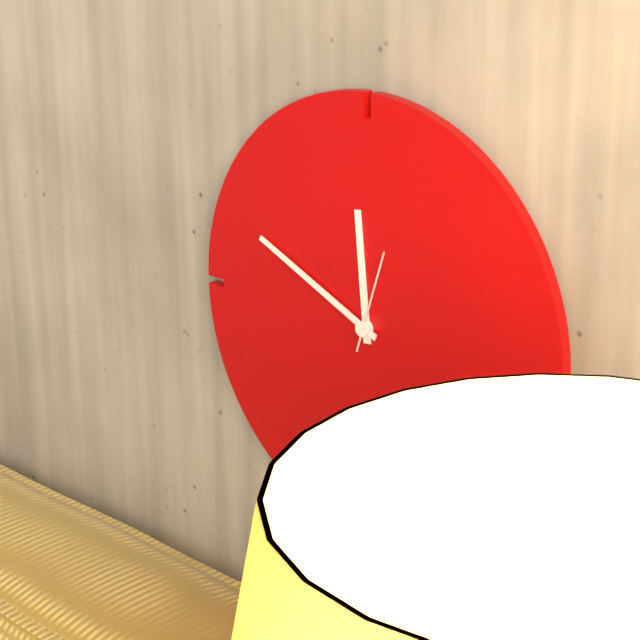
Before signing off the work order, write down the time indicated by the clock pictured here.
11:49:03
